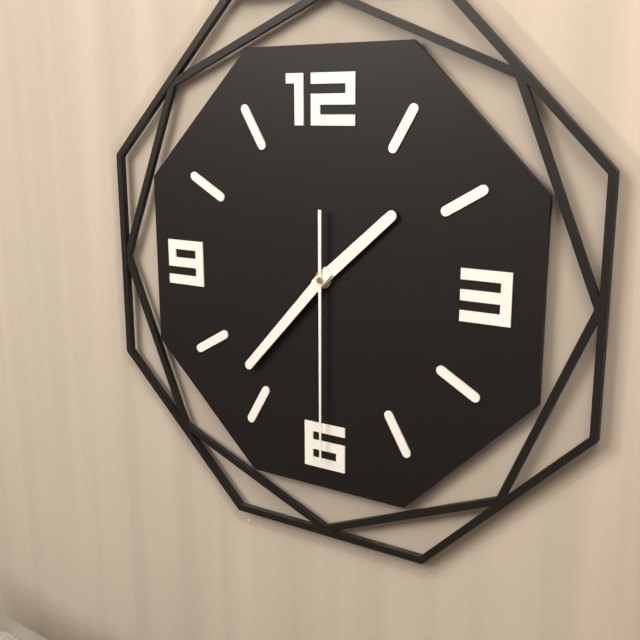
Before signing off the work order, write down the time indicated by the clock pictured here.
1:37:30
